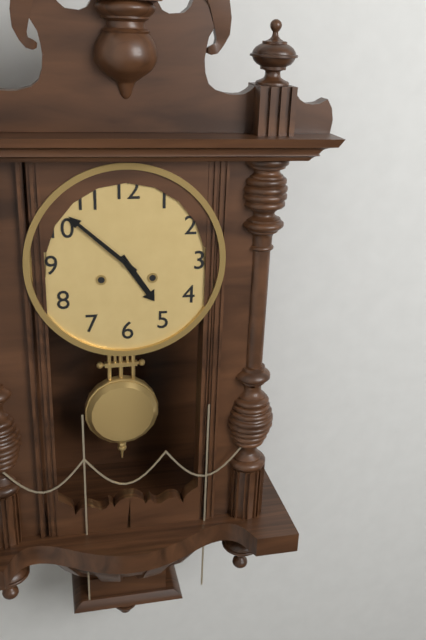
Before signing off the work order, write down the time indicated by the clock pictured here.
4:52
